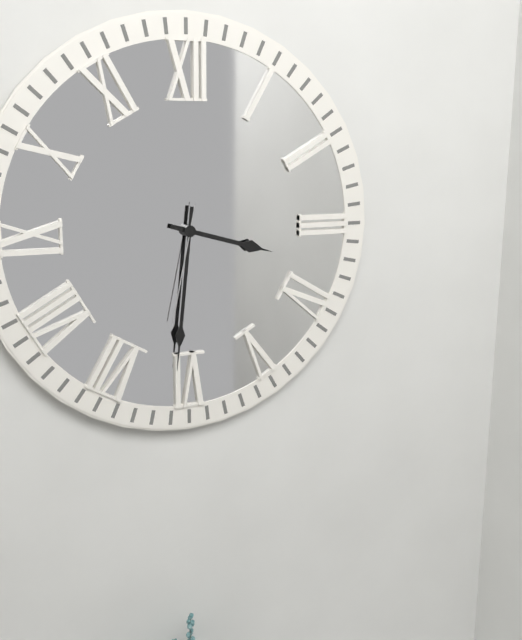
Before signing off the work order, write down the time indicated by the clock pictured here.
3:31:32
